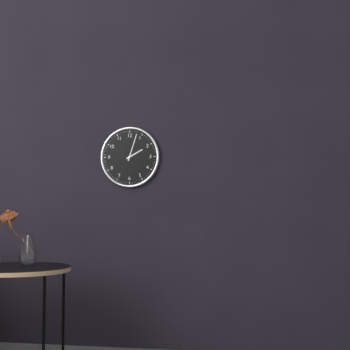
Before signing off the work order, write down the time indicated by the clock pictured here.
2:03
